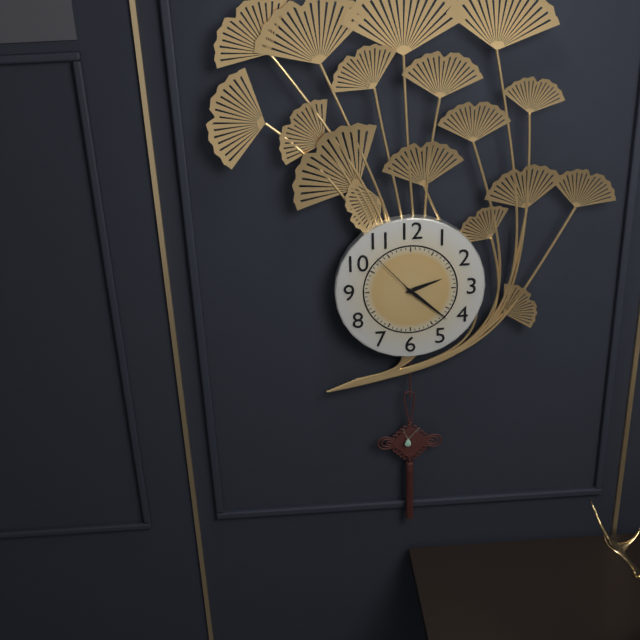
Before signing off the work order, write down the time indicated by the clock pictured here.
2:22:53
